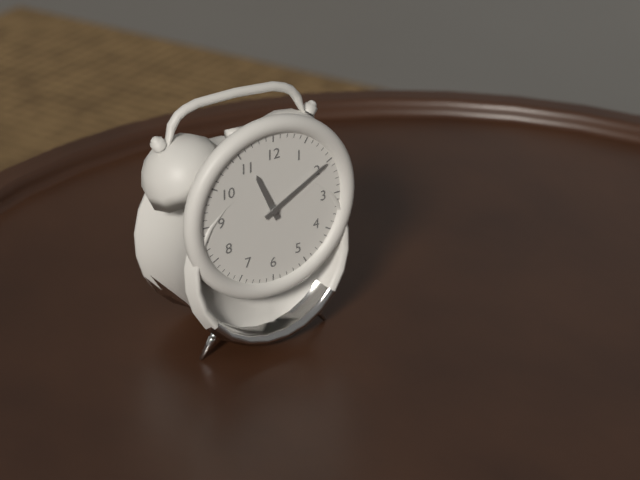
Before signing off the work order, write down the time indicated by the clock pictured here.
11:10
